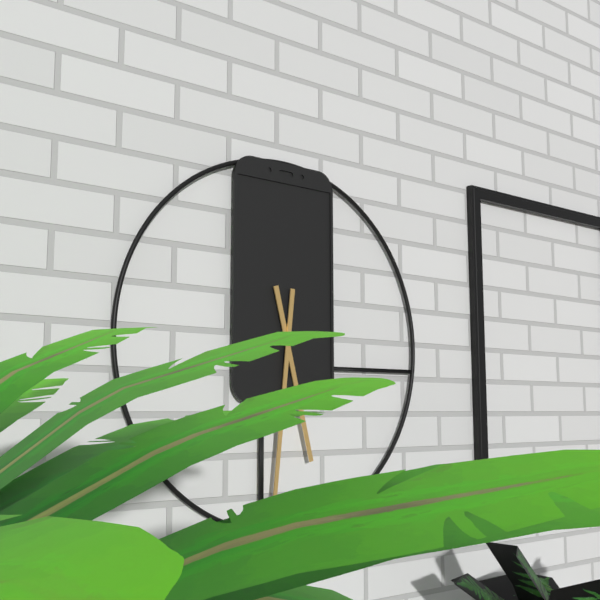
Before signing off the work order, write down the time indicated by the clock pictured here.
5:31
